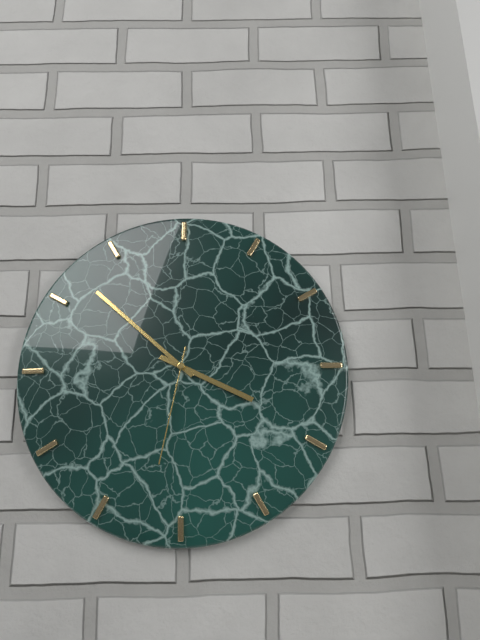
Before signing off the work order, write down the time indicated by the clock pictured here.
3:52:32
